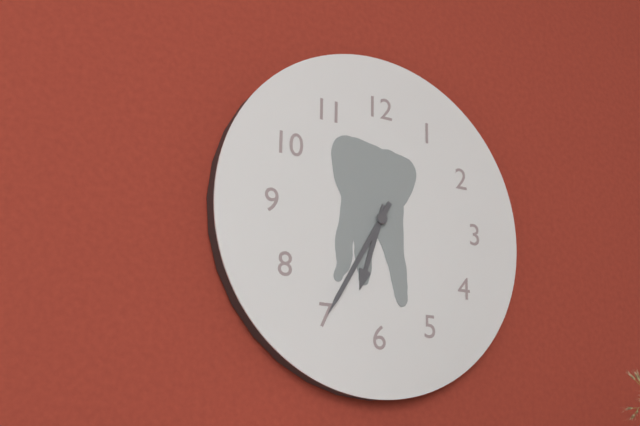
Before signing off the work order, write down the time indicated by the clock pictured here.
6:35
